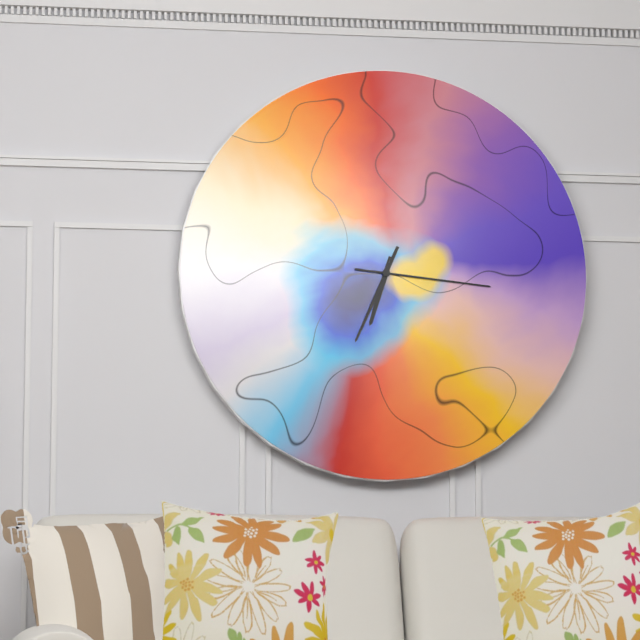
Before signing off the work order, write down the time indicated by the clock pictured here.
6:34:16
